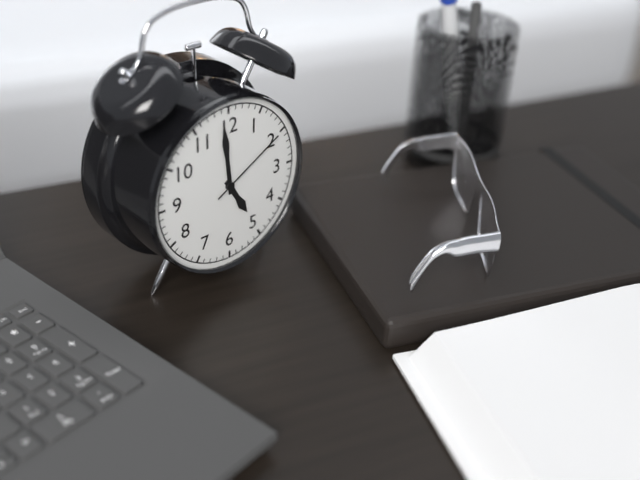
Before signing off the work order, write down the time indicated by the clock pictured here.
4:59:10
